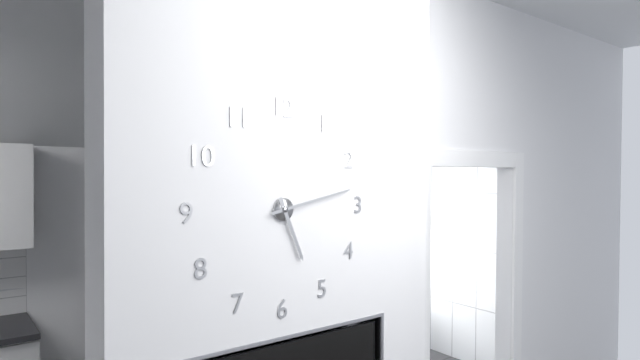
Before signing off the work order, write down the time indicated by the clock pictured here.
5:13
